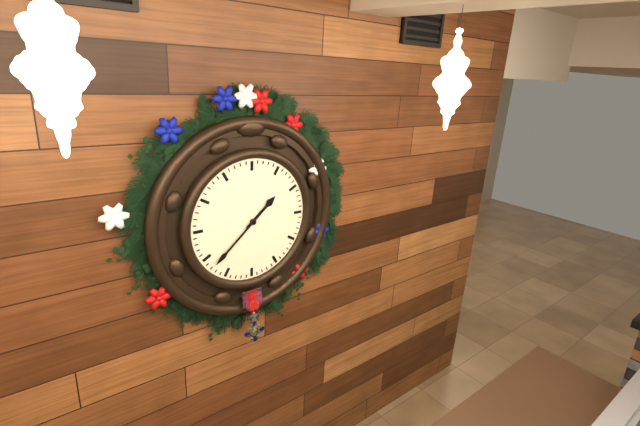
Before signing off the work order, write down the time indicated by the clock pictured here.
1:38
